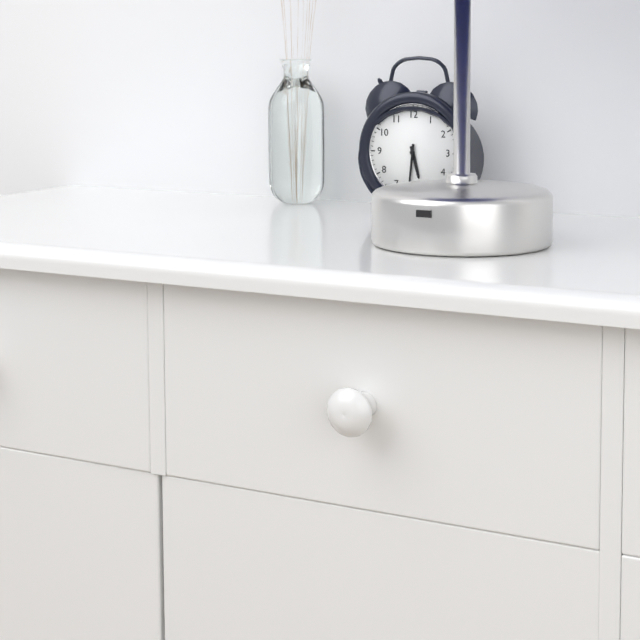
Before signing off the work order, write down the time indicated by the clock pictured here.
5:31
